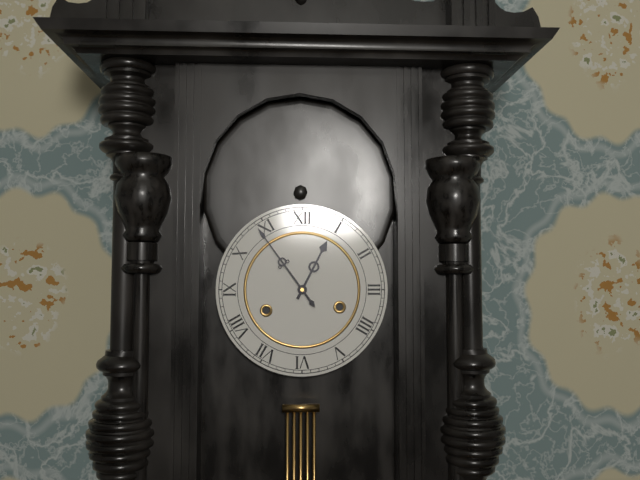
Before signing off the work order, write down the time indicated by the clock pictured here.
12:54
